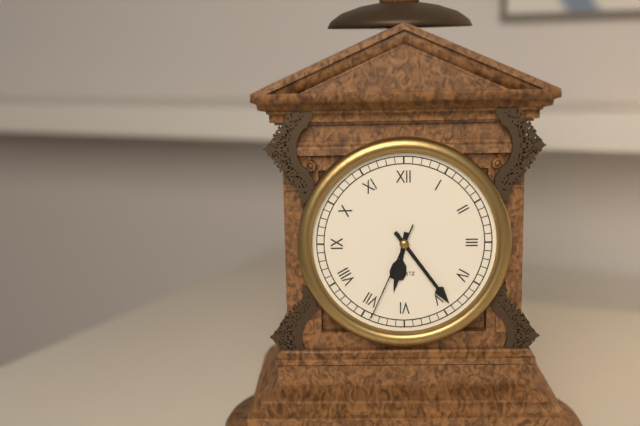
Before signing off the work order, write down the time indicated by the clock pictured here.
6:24:34
